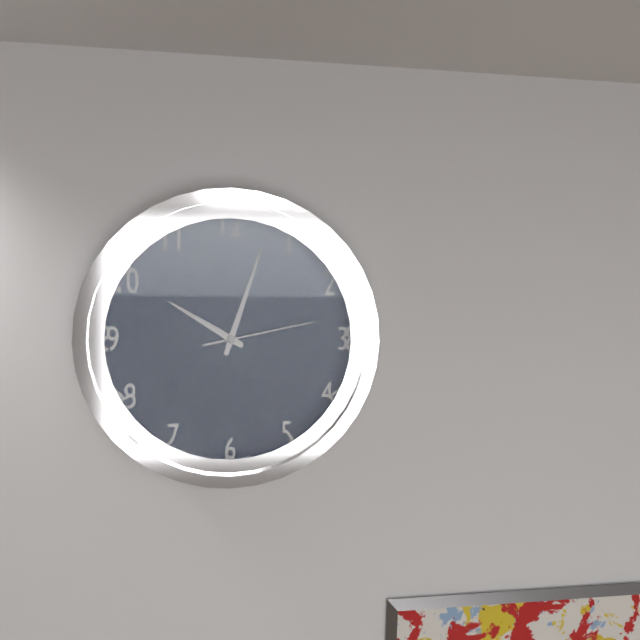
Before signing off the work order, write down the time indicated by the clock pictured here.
10:03:13
